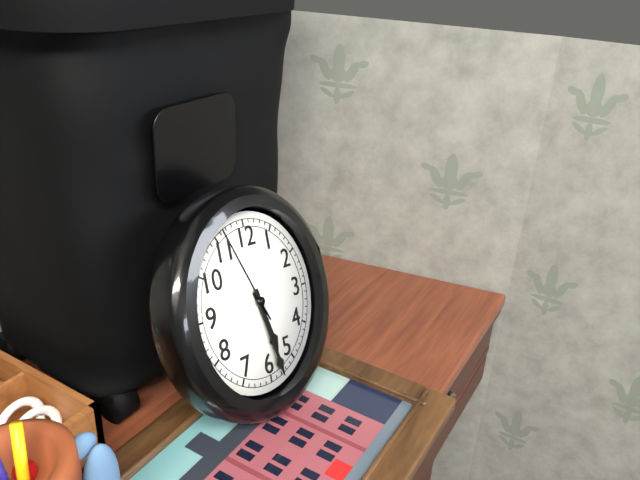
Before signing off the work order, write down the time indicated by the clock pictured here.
5:28:56
